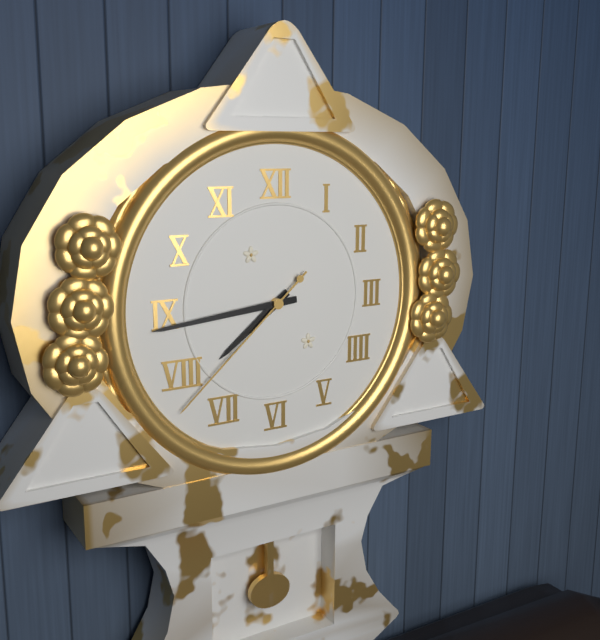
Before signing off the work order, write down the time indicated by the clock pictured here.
7:44:38
